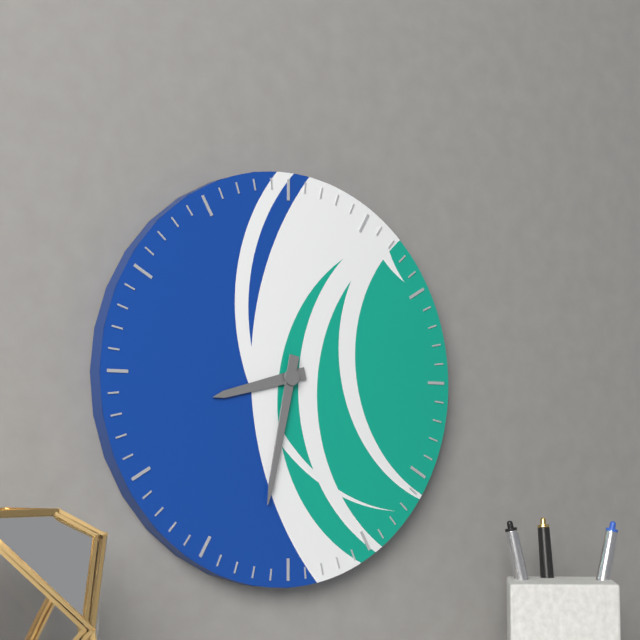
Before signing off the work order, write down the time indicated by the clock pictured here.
8:32
